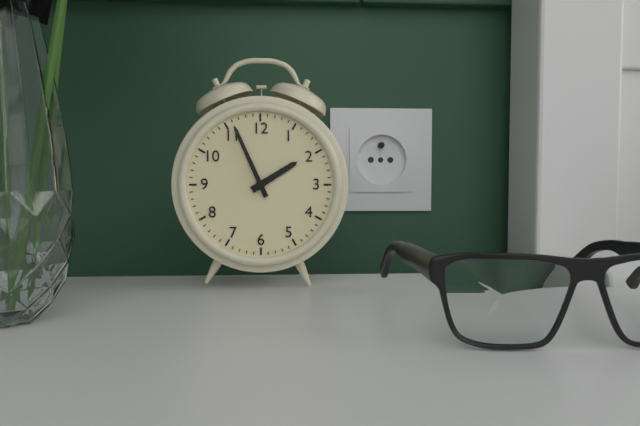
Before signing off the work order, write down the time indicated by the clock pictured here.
1:56
